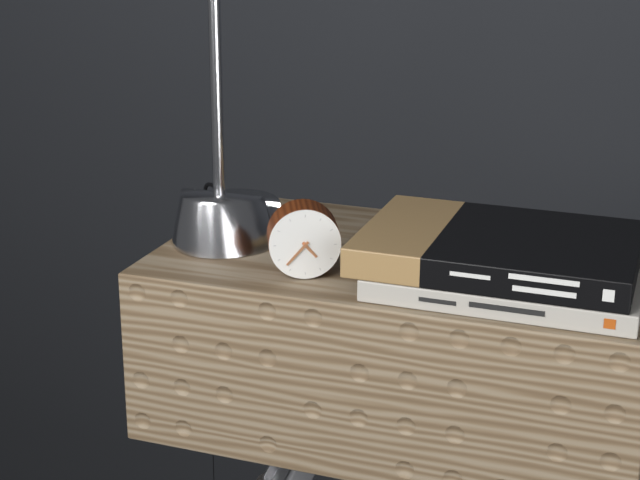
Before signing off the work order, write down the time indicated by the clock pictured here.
4:37
